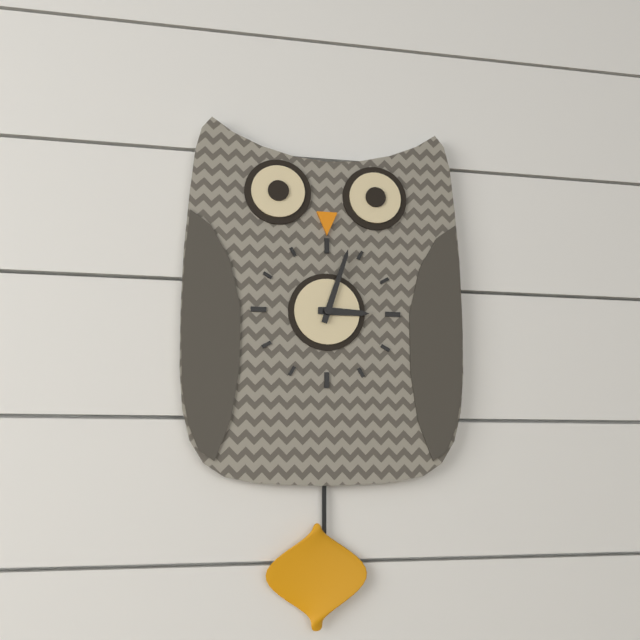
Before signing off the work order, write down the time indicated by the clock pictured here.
3:03
